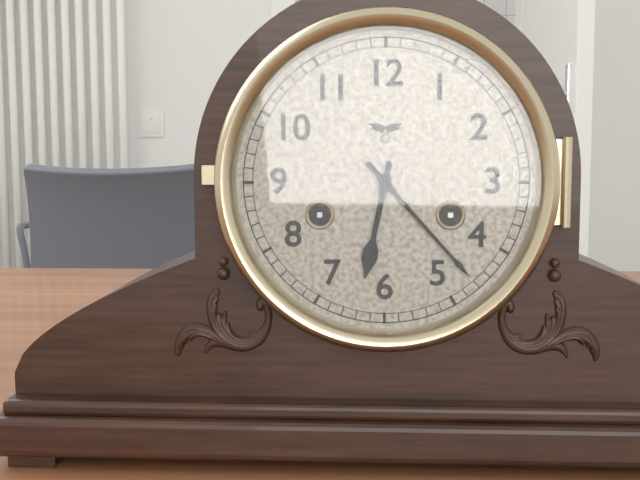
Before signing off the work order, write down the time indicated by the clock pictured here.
6:23
